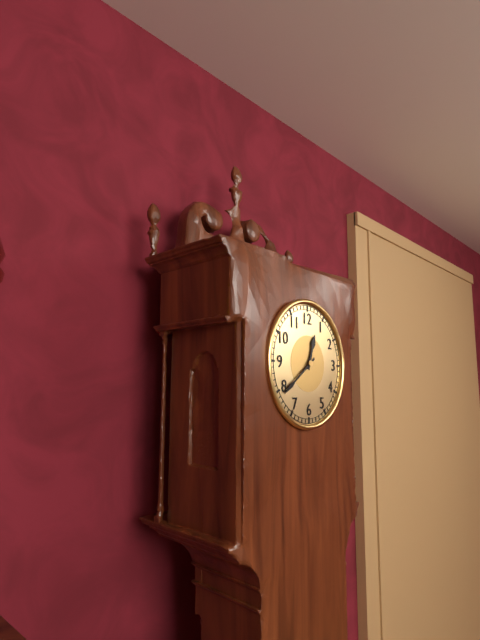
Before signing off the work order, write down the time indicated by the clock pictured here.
12:39
